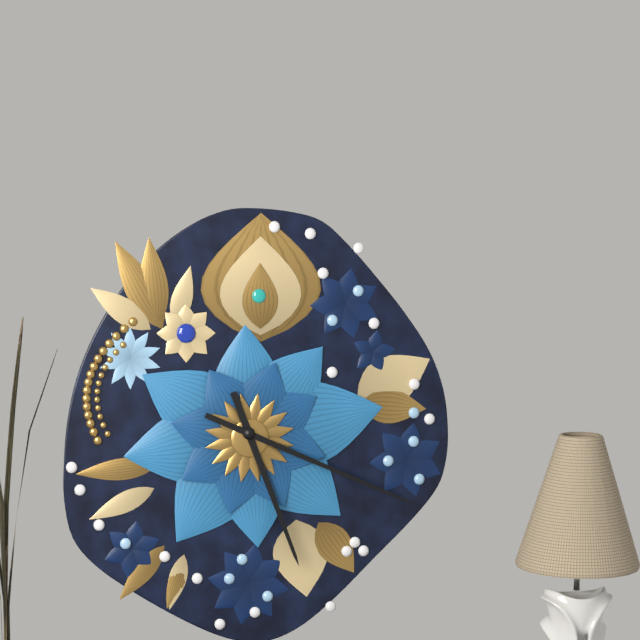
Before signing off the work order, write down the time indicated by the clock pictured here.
5:19
